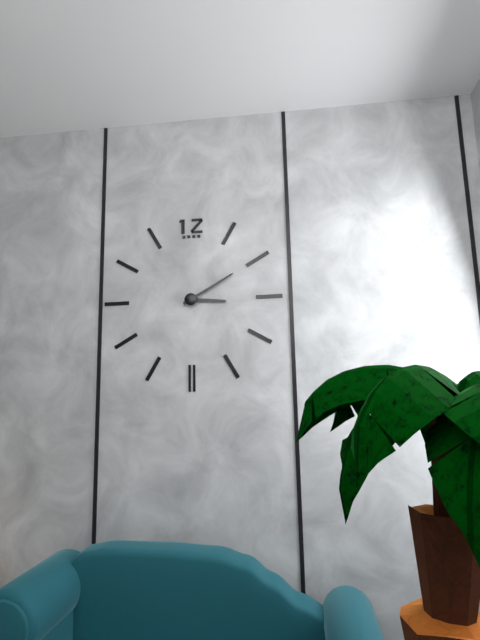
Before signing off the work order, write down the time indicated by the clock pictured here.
3:10
